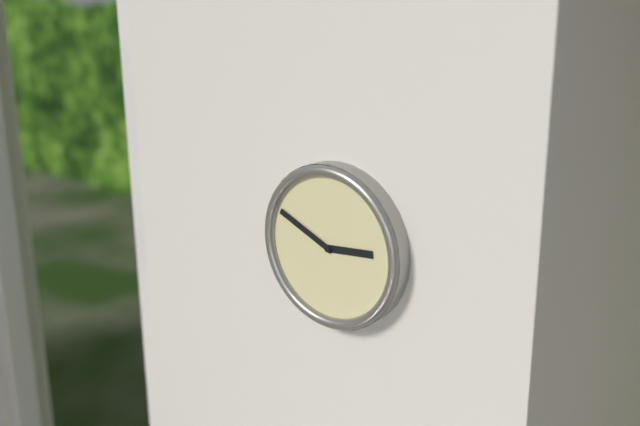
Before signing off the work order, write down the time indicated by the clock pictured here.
2:49
